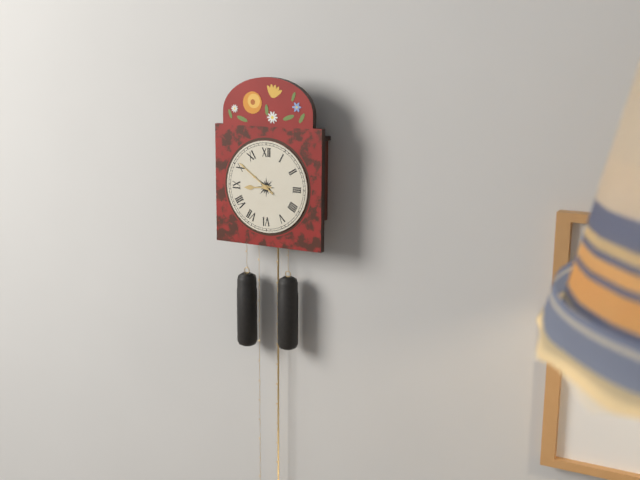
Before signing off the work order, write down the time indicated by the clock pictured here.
8:51
